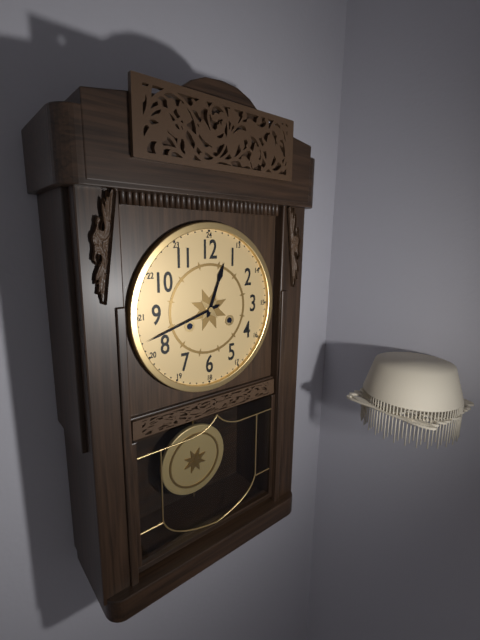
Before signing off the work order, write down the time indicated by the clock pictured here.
12:42
